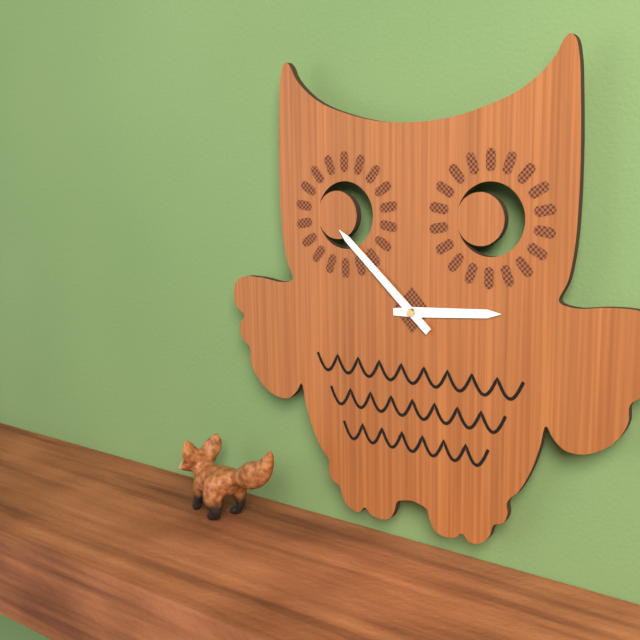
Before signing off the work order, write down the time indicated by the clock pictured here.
2:52
